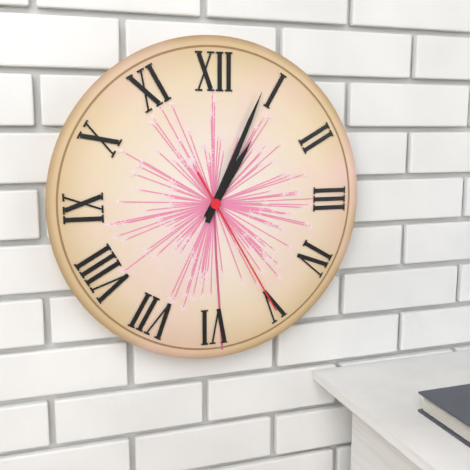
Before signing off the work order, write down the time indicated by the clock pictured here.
1:04:25
